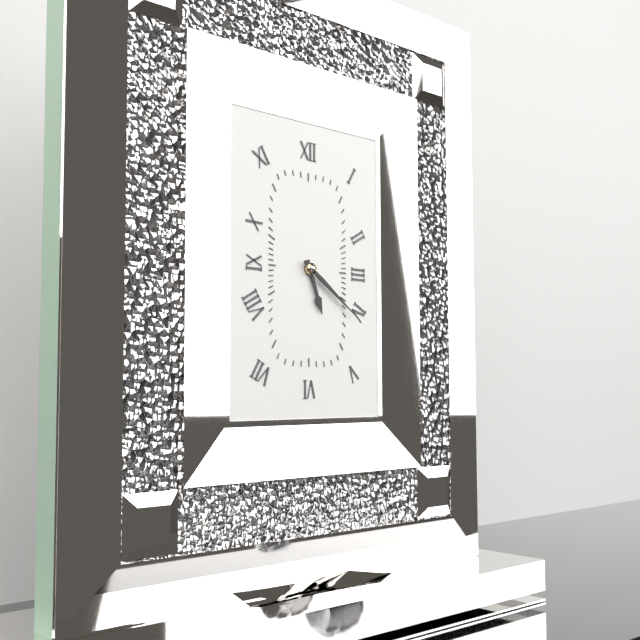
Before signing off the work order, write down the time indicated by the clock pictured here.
5:21
